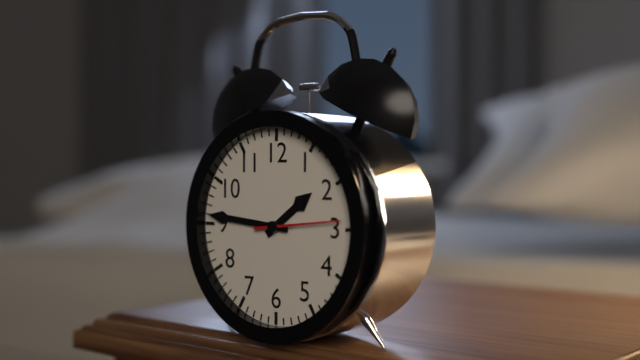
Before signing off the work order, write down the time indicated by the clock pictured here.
1:46:14
